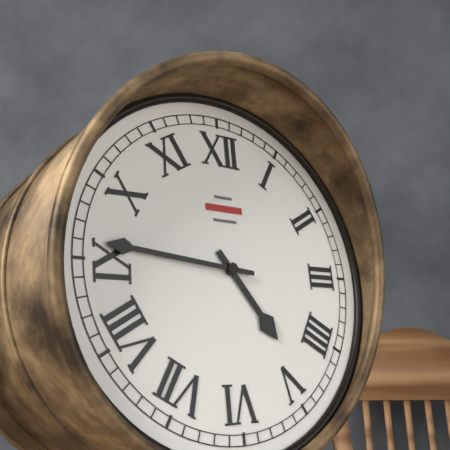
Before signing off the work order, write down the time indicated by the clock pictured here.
4:46
